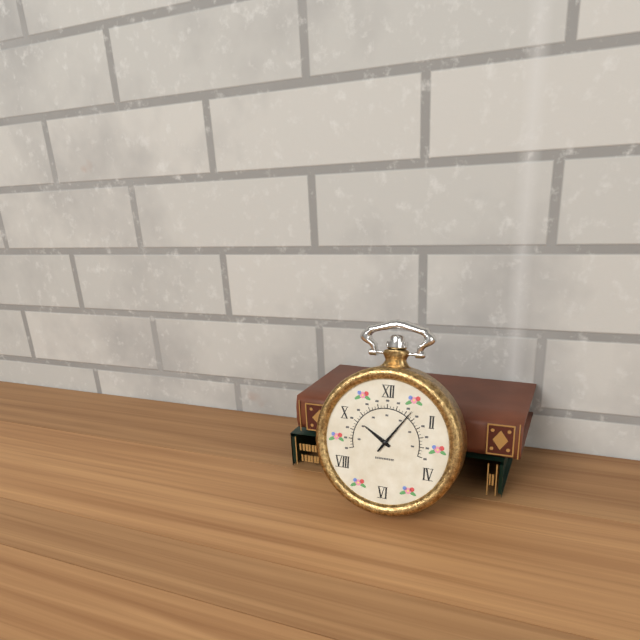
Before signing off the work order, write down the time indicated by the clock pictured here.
10:06
